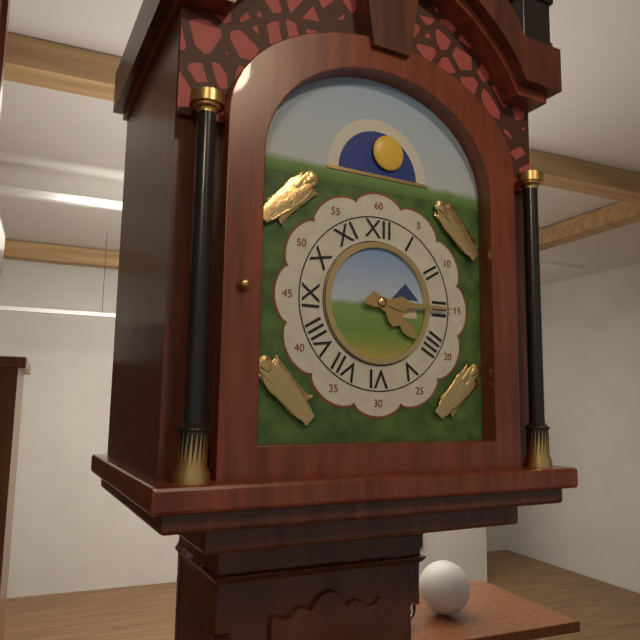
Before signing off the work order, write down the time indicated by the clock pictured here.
4:15
